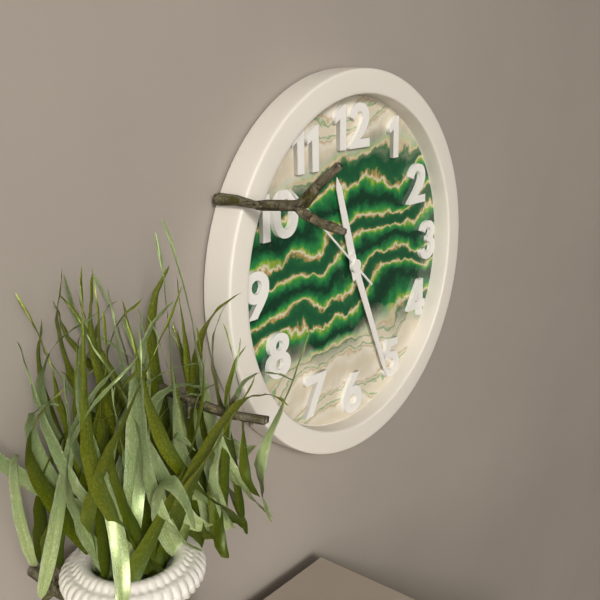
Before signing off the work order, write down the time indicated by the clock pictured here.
11:26
